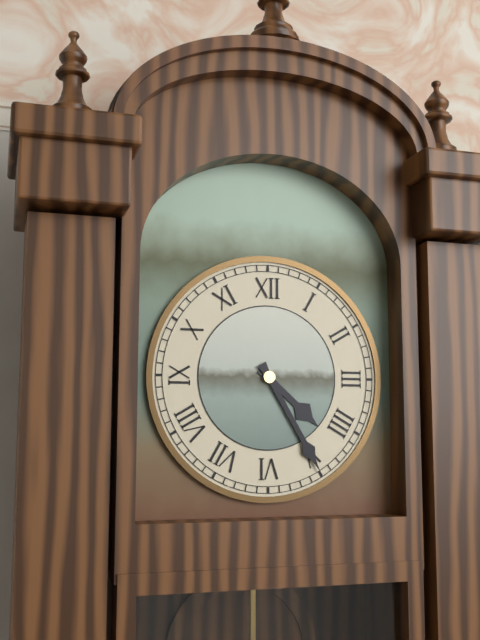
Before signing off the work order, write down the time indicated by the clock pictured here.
4:25
